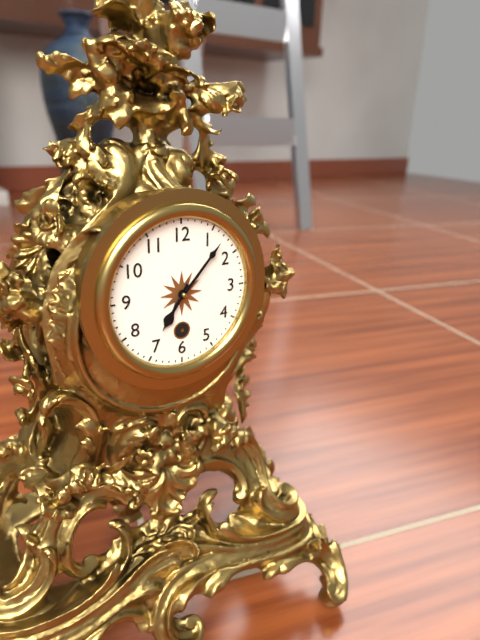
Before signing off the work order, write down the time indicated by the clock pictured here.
7:07
